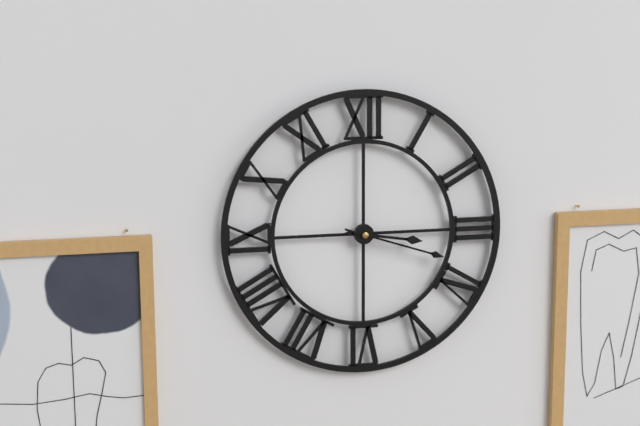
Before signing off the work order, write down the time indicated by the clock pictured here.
3:18
